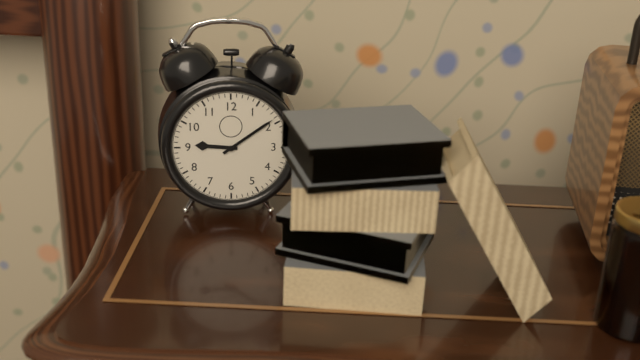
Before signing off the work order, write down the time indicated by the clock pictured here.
9:09
